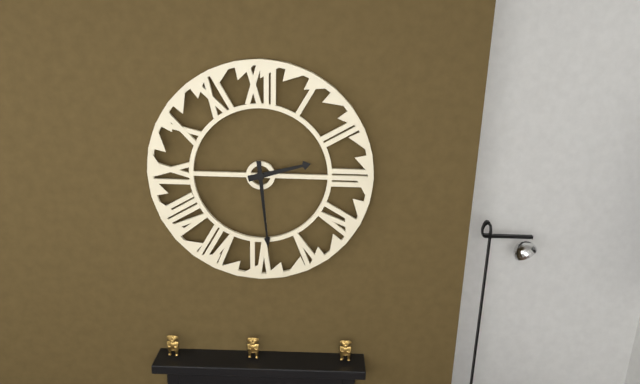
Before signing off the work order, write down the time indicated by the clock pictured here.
2:29
